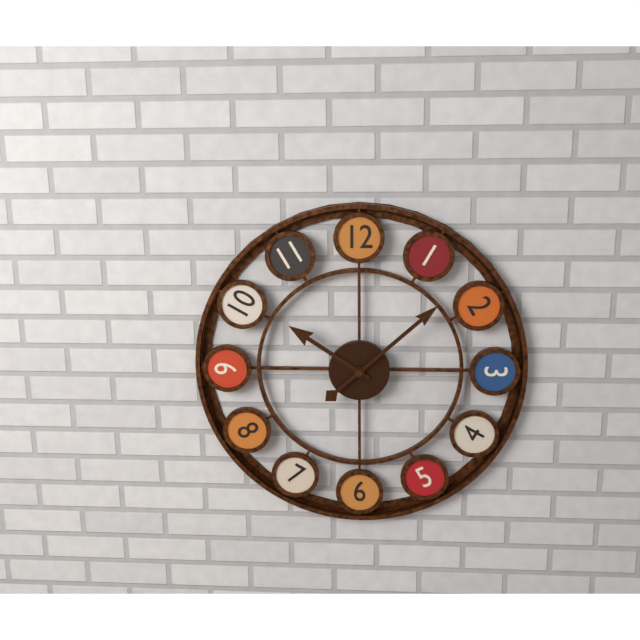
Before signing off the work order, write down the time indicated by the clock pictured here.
10:08
